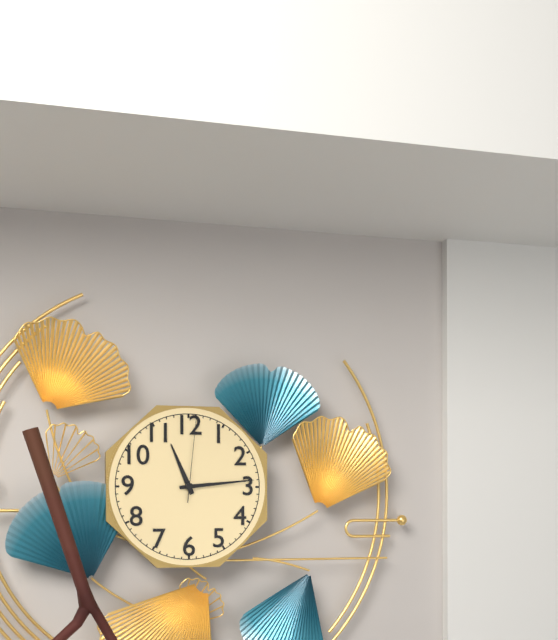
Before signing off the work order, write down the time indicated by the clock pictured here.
11:14:01
